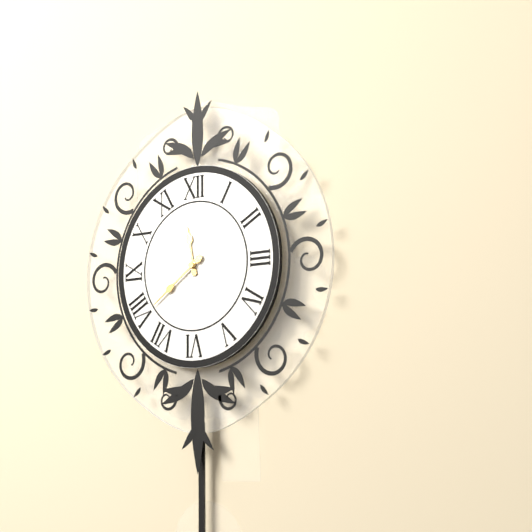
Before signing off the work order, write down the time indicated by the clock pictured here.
11:39
